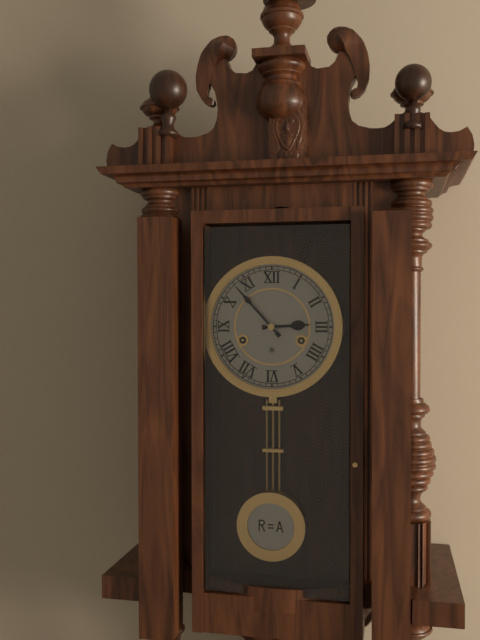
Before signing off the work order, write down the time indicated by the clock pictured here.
2:53
